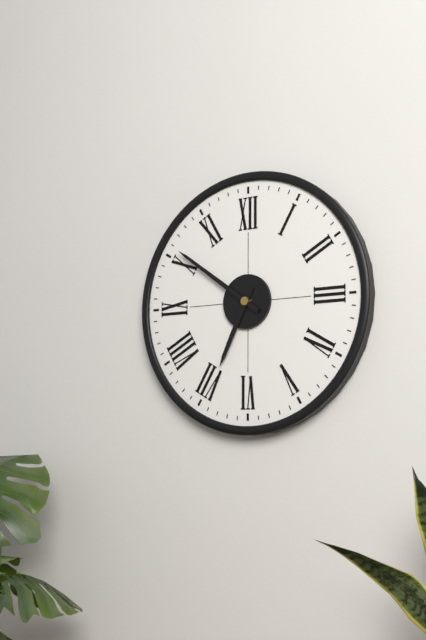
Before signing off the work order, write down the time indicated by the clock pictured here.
6:51
